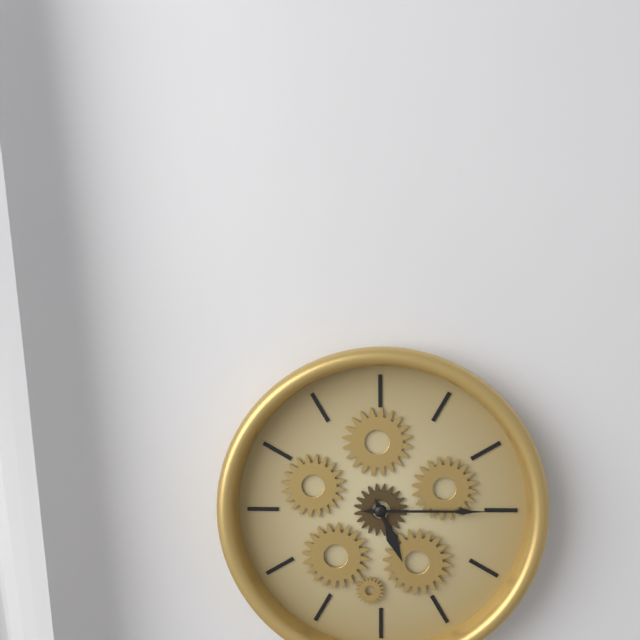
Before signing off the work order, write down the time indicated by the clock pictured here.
5:15
